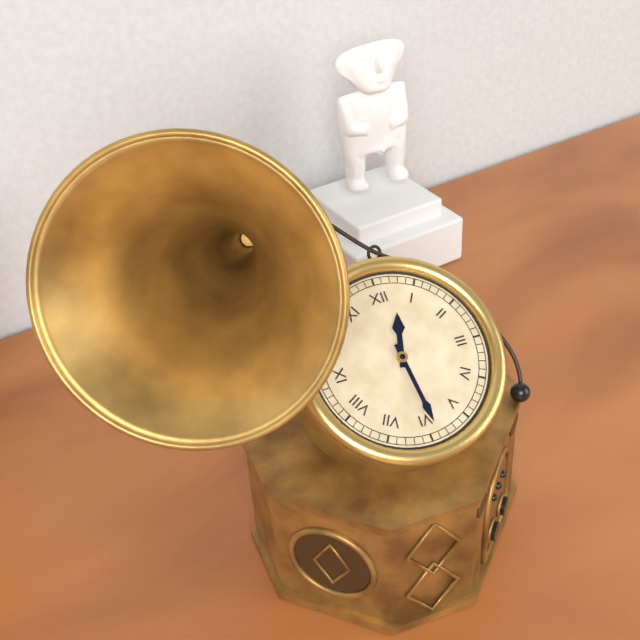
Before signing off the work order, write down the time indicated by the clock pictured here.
12:29
